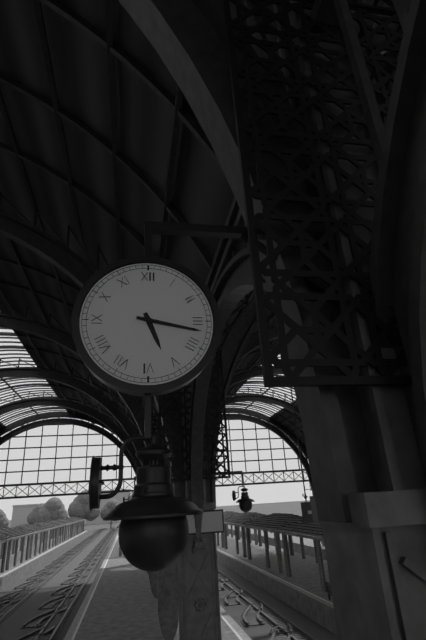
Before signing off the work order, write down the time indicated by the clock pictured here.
5:17
